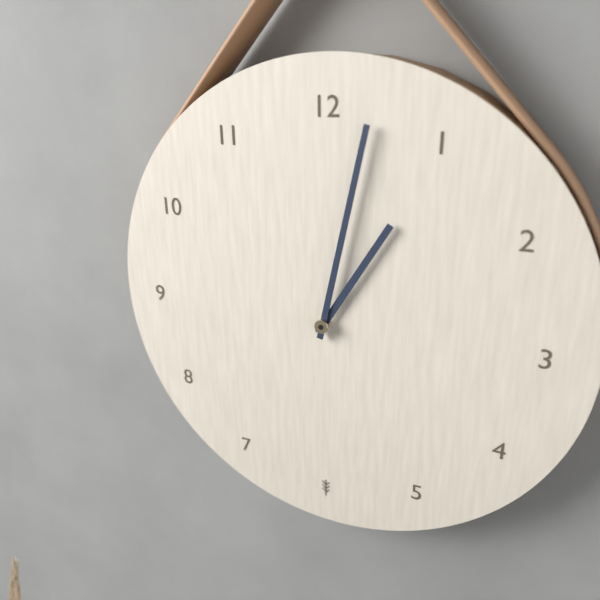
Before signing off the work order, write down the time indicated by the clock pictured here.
1:02
